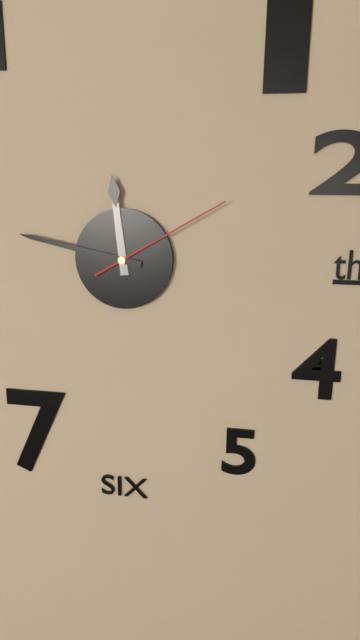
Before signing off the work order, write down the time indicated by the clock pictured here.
11:47:10
